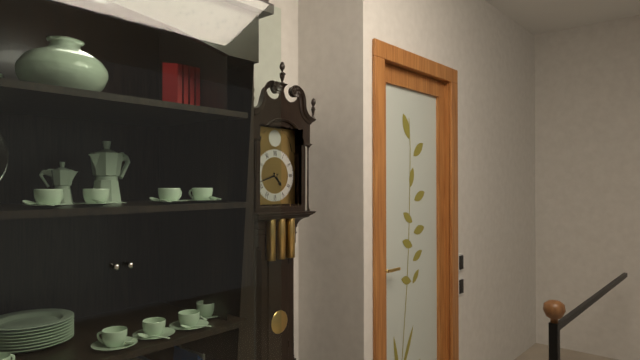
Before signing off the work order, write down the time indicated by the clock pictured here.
4:42
